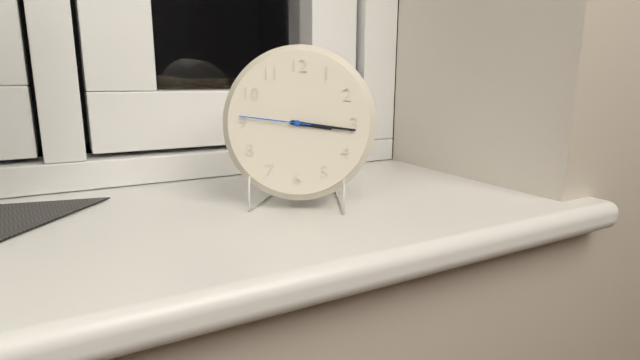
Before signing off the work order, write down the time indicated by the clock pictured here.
3:16:46
